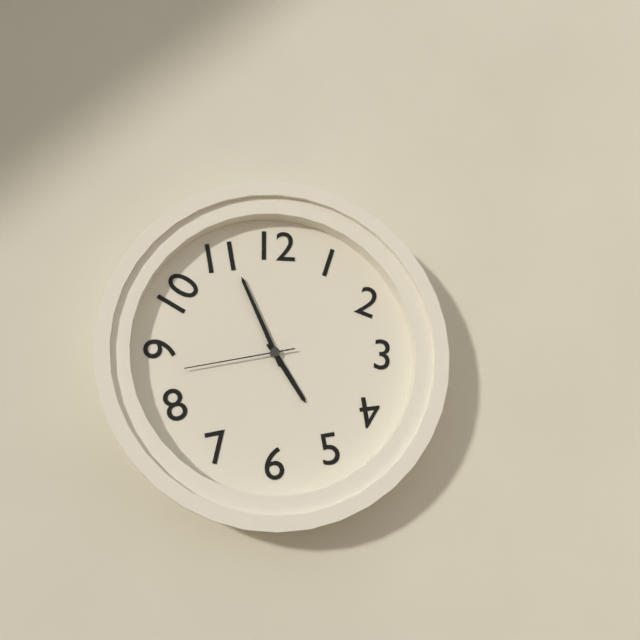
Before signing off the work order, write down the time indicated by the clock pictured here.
4:56:43
